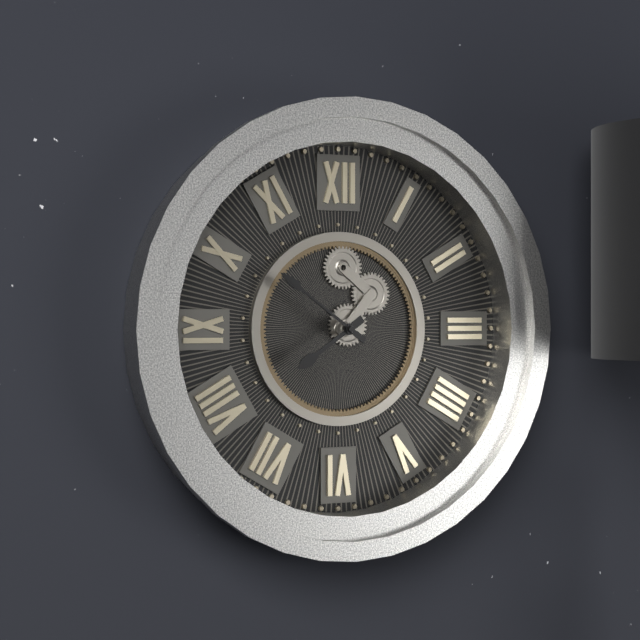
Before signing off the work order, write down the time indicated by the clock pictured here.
7:51
